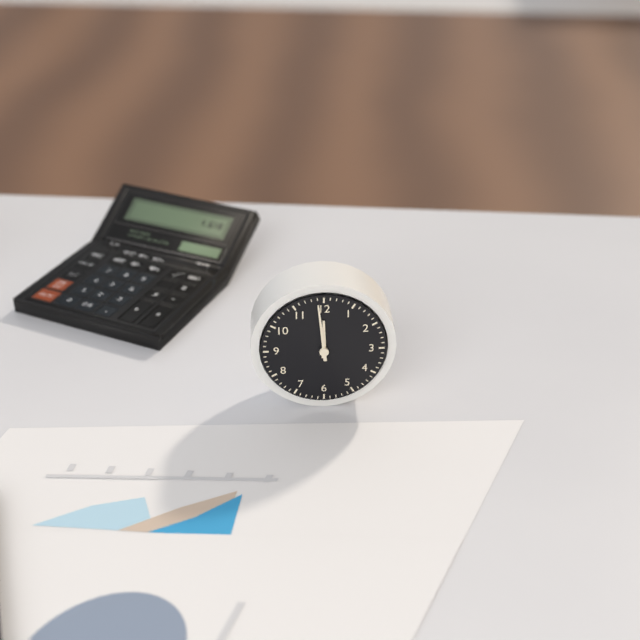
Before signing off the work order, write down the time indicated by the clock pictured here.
11:59
